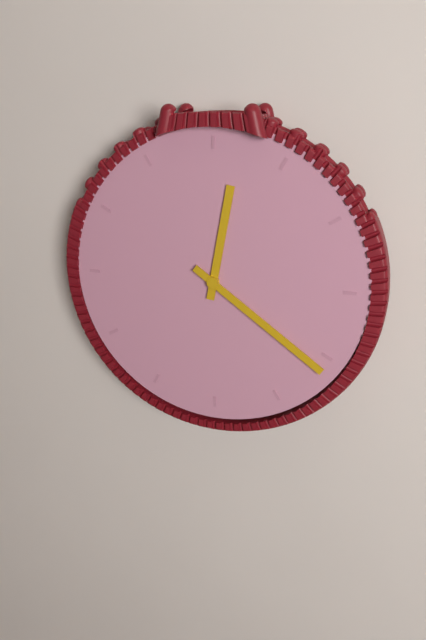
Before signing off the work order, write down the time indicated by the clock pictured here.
12:21
